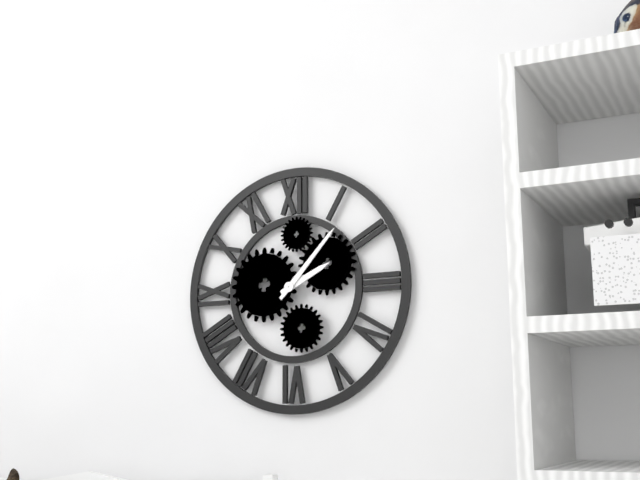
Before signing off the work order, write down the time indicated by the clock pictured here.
2:07
